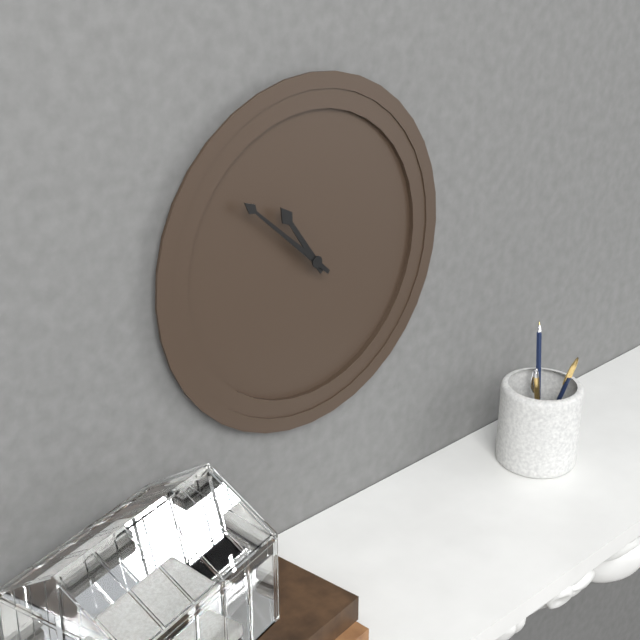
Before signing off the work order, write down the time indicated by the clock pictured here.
10:52
